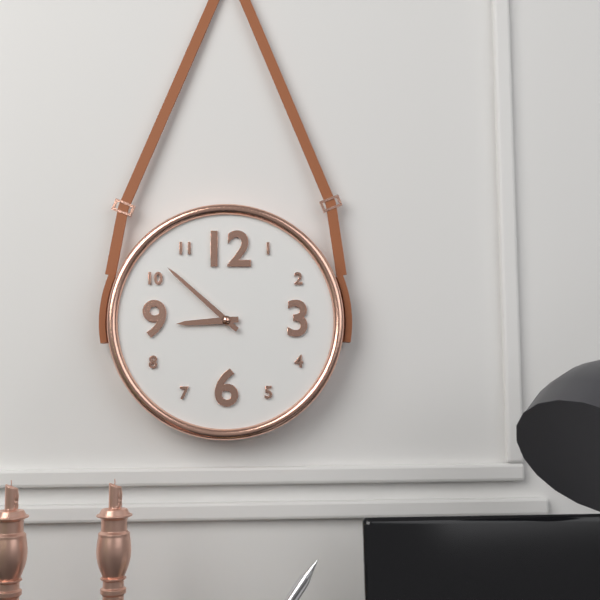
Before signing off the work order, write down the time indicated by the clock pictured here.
8:52
